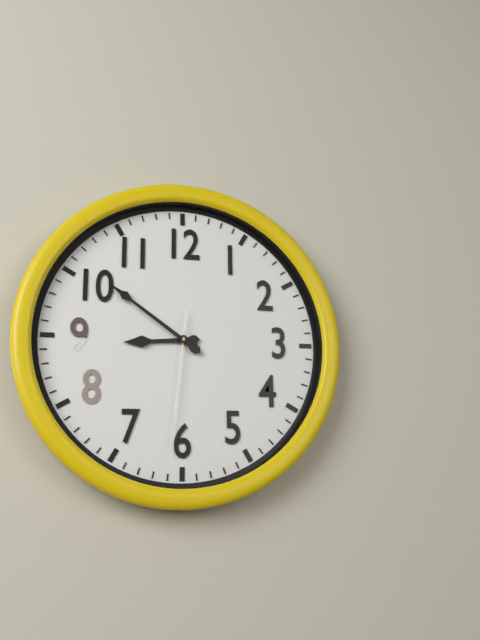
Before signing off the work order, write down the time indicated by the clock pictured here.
8:51:31
